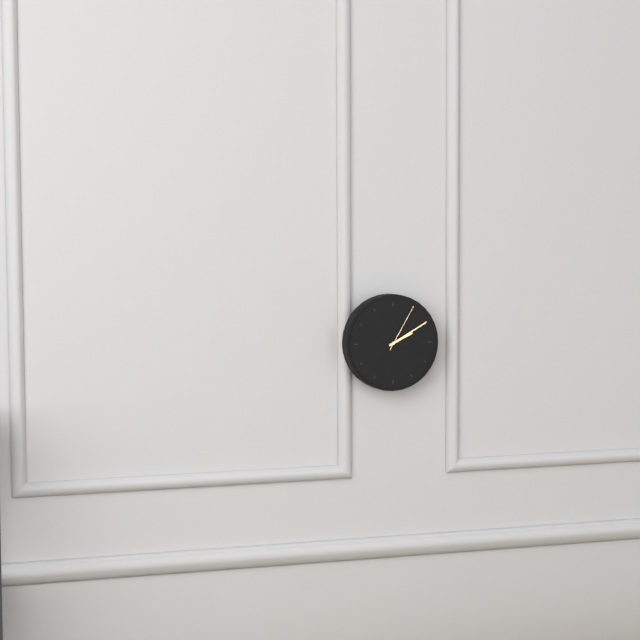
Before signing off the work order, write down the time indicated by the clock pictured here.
2:10:05
